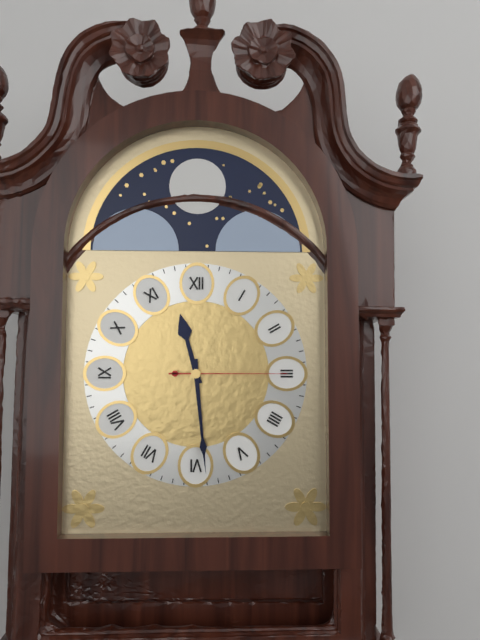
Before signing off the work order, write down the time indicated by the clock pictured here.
11:29:15
